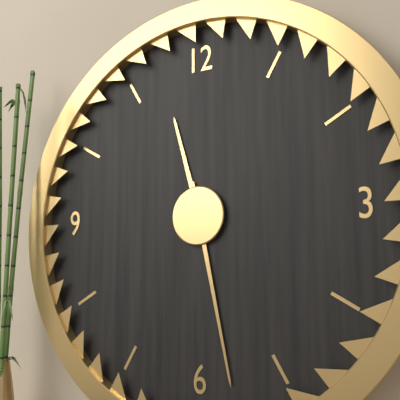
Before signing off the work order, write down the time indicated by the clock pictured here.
11:28
